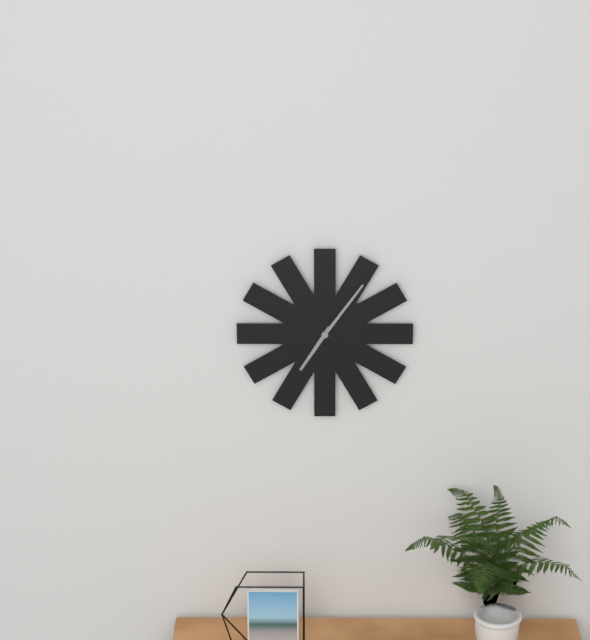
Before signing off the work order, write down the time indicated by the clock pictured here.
7:06
